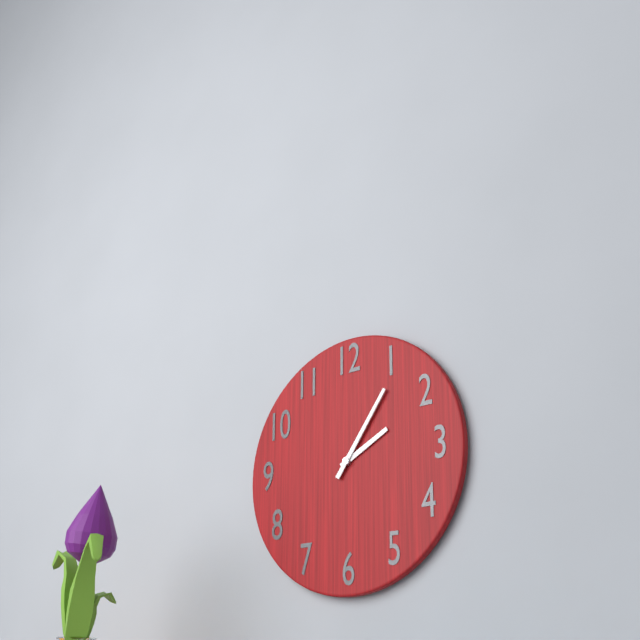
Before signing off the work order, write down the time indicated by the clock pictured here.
2:06
